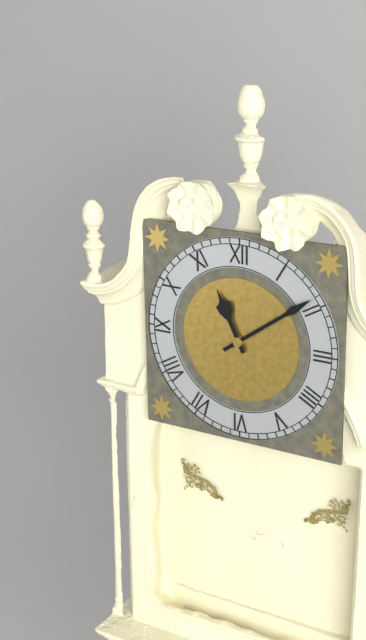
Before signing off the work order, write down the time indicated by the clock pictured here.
11:09
